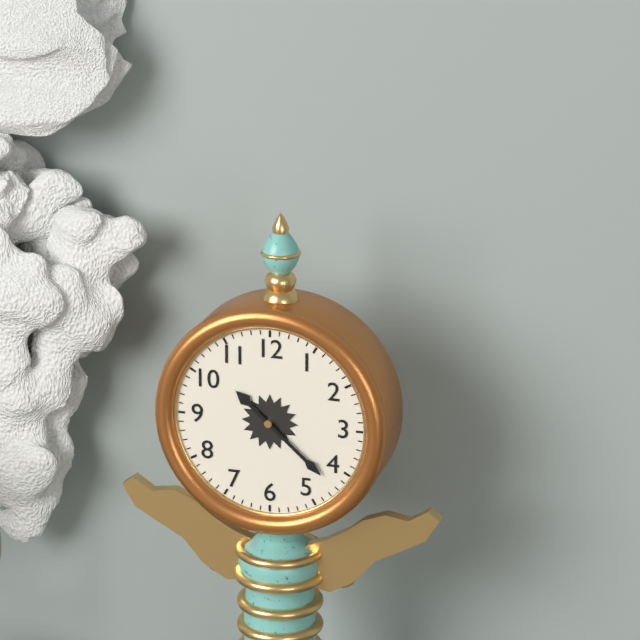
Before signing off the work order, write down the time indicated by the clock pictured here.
10:22
